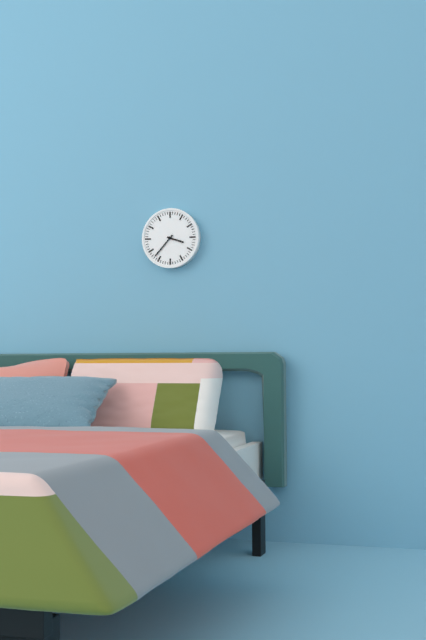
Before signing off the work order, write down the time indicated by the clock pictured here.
3:37
